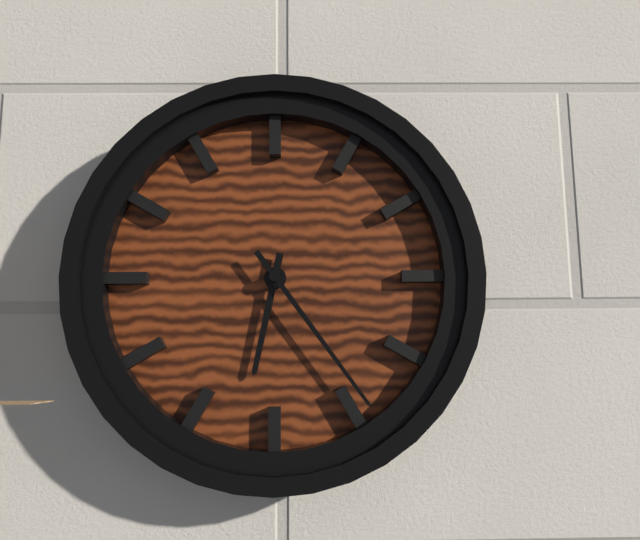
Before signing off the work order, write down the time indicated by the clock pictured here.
6:24
